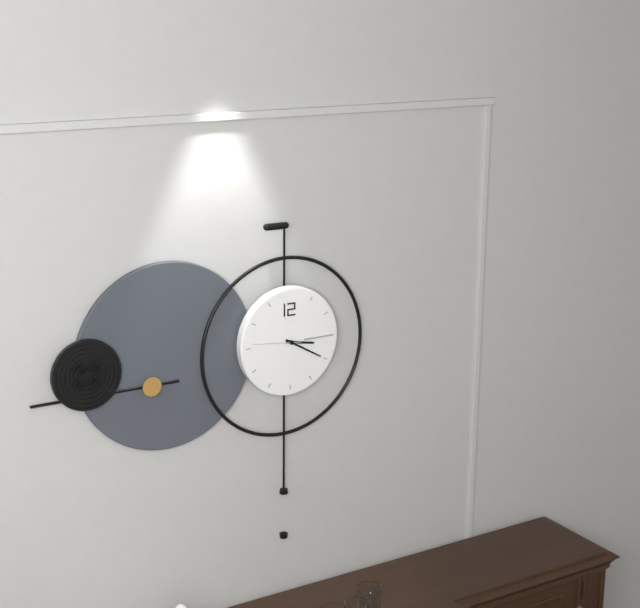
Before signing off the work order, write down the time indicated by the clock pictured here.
3:20
